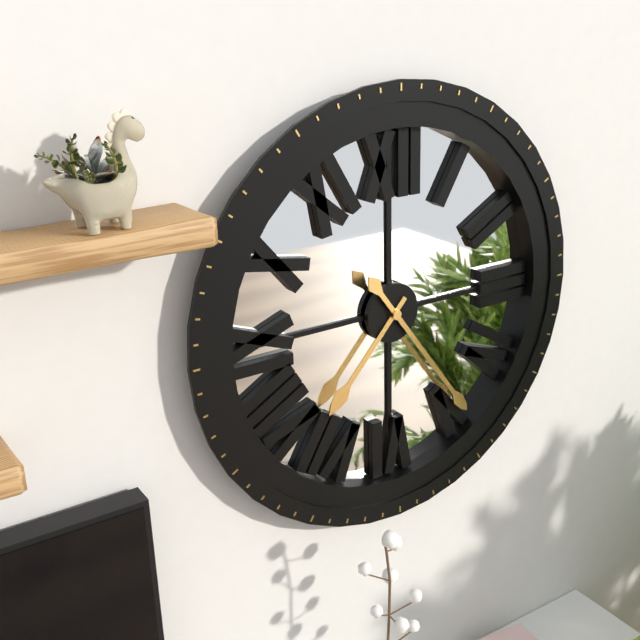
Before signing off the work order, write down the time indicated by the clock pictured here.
7:24
